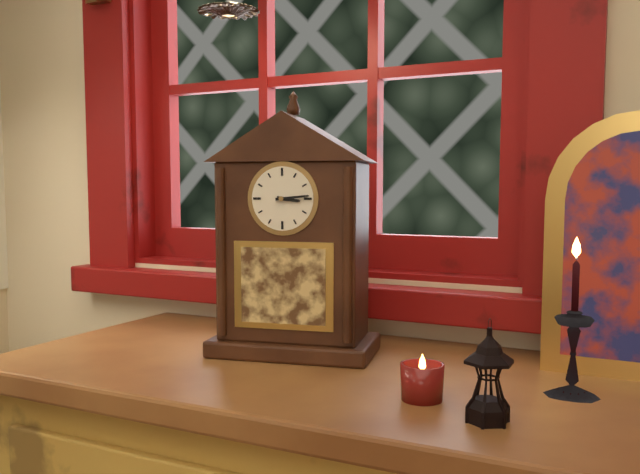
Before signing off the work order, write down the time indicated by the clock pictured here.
3:14
